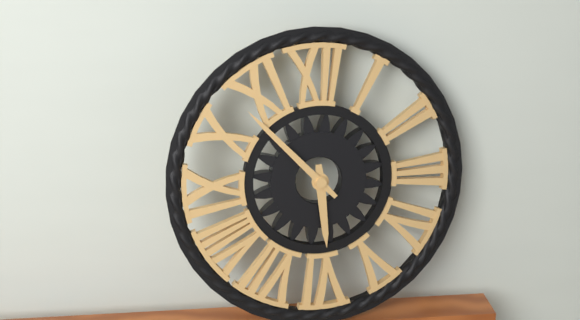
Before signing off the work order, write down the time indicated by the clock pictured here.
5:53
